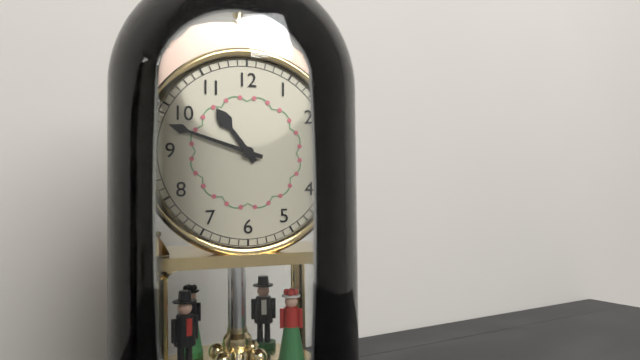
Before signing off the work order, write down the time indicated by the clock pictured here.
10:48
